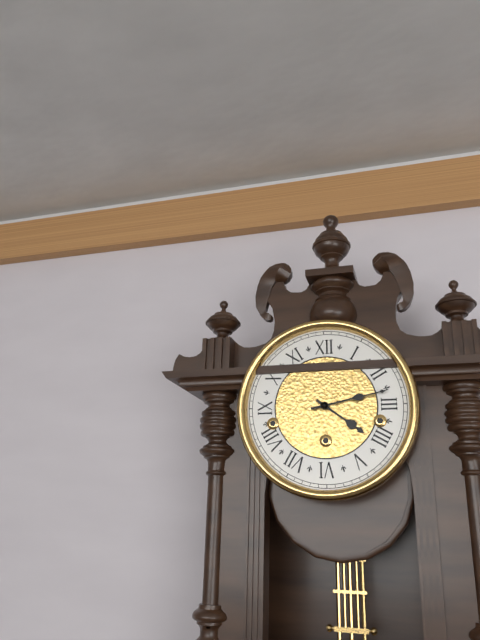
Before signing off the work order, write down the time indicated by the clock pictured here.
4:13
